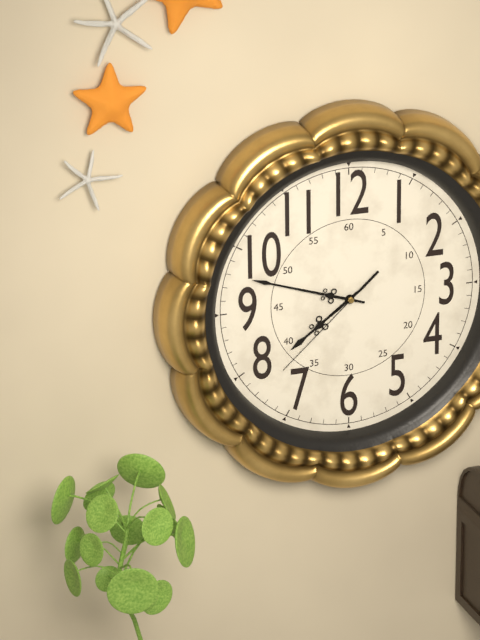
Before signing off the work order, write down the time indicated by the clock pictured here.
7:48:38
